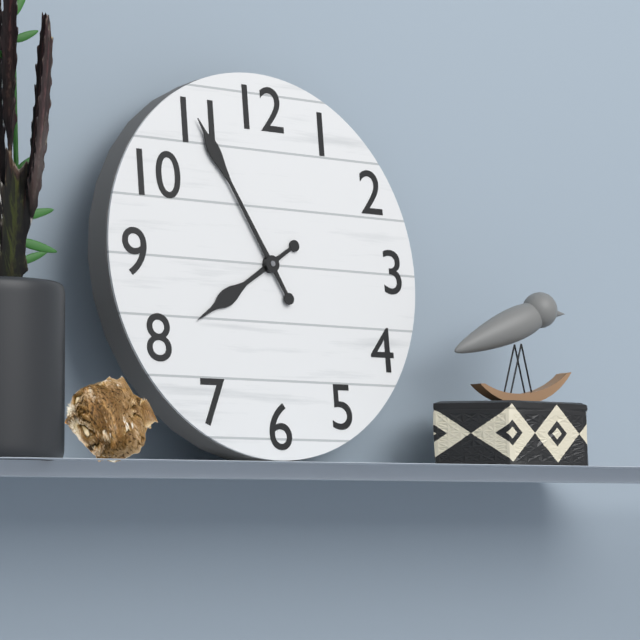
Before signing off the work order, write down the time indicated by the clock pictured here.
7:55
